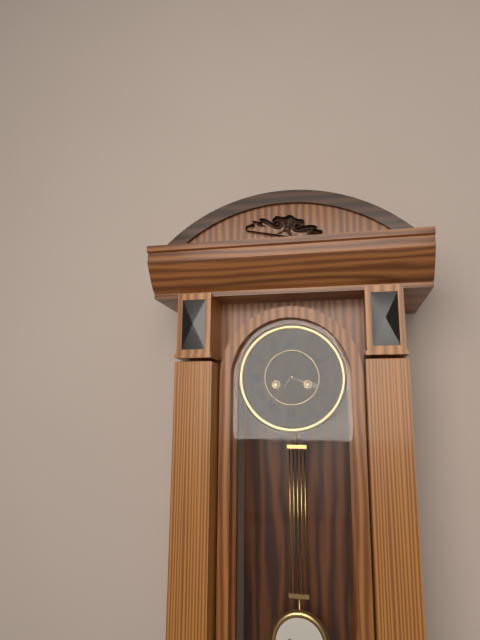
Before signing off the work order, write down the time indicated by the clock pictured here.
3:37
